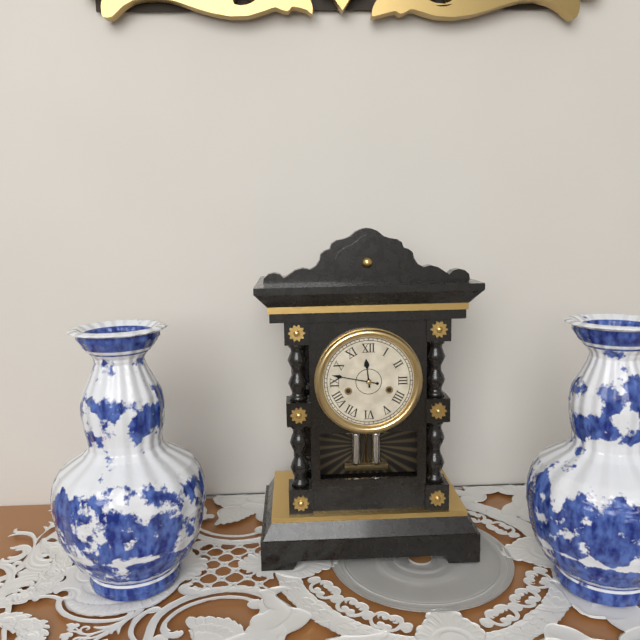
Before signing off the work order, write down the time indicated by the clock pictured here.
11:47
